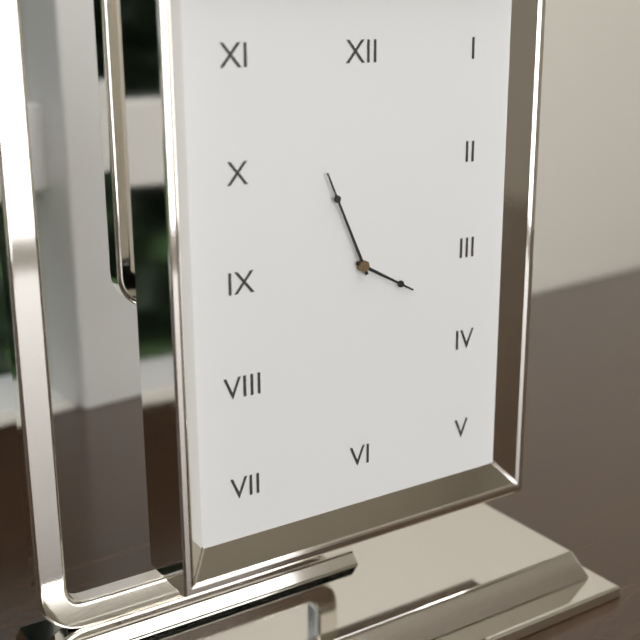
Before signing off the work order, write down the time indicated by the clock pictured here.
3:56
